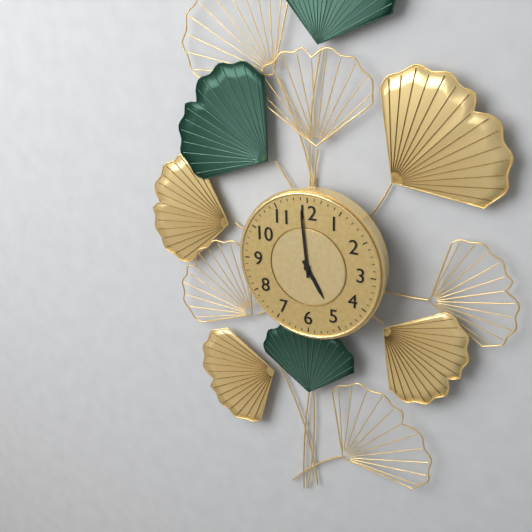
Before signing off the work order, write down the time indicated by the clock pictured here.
4:59
